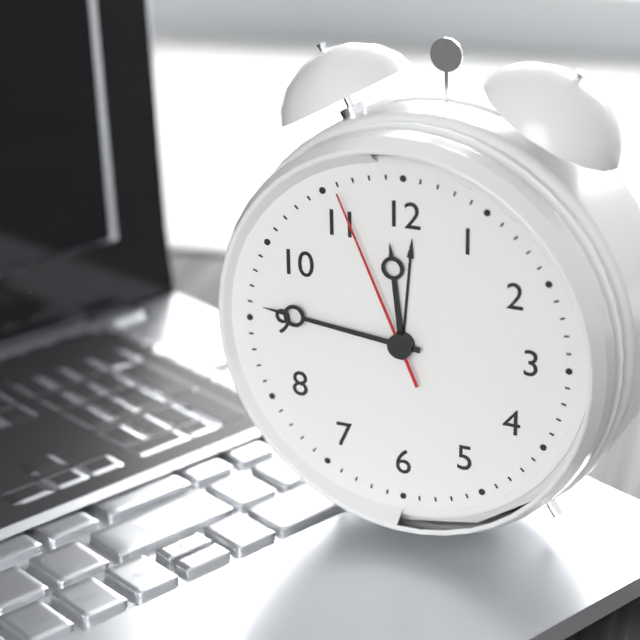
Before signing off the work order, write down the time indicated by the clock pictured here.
11:46:56
